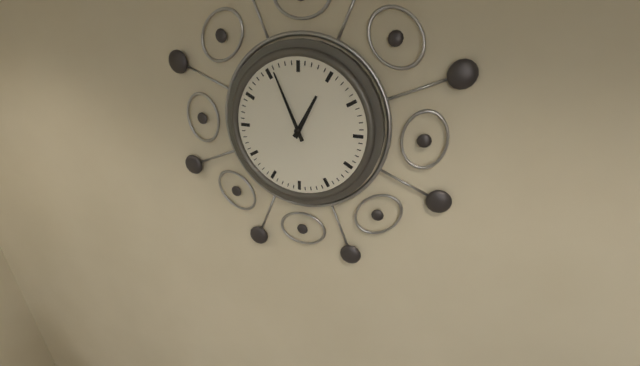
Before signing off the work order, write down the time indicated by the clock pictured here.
12:56
